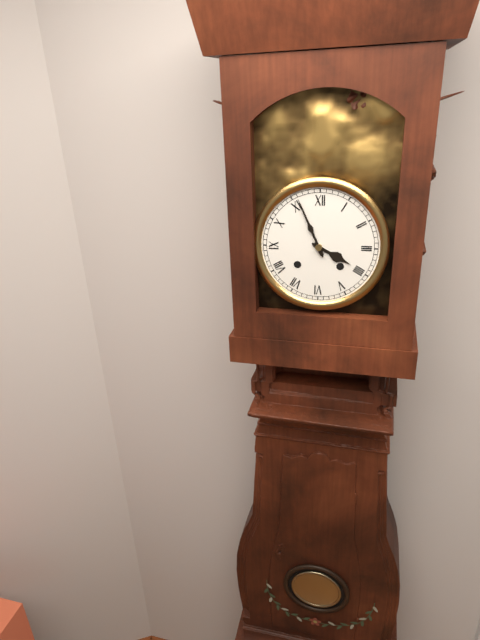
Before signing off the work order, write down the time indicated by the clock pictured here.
3:56
